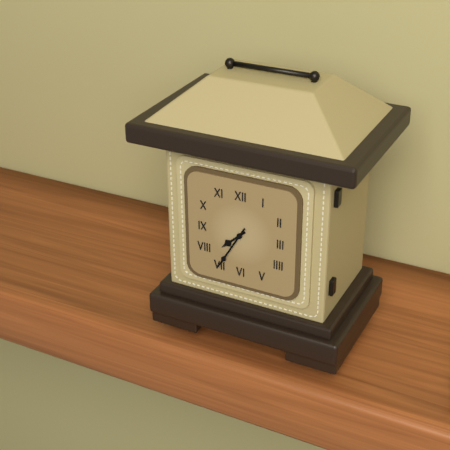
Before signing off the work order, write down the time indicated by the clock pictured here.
7:35
